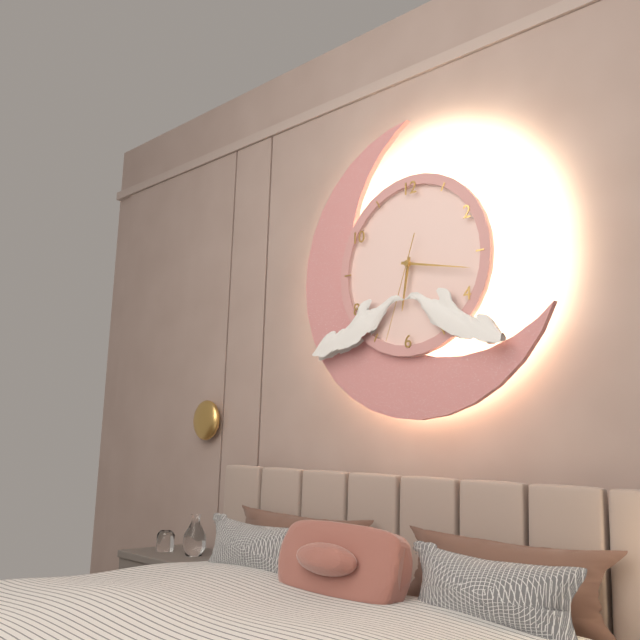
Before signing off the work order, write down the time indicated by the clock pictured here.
6:17:33
